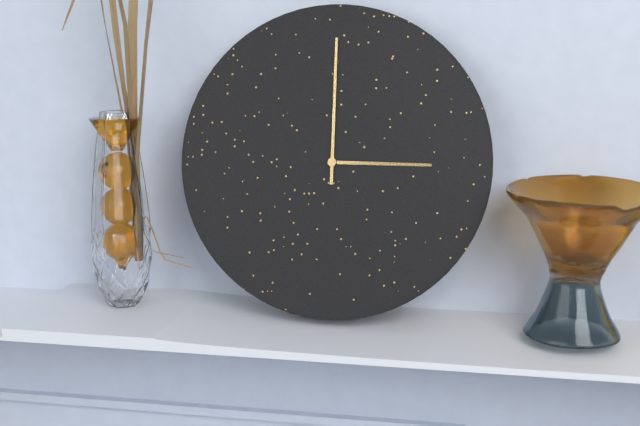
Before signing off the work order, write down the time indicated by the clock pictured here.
3:00
